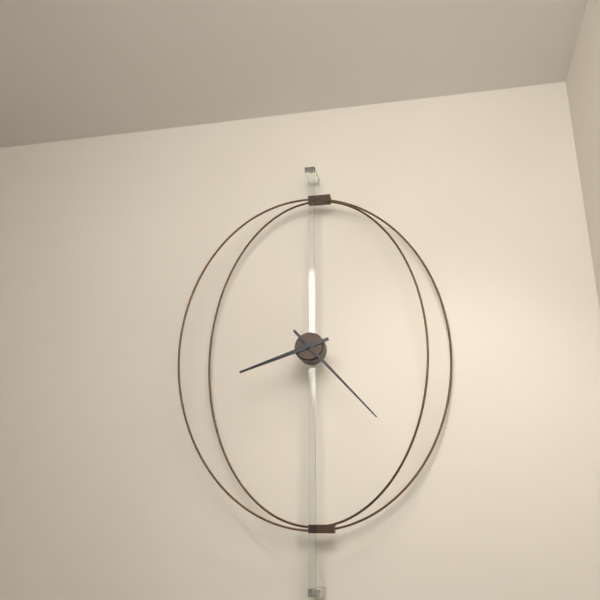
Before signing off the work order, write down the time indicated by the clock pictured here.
8:23
